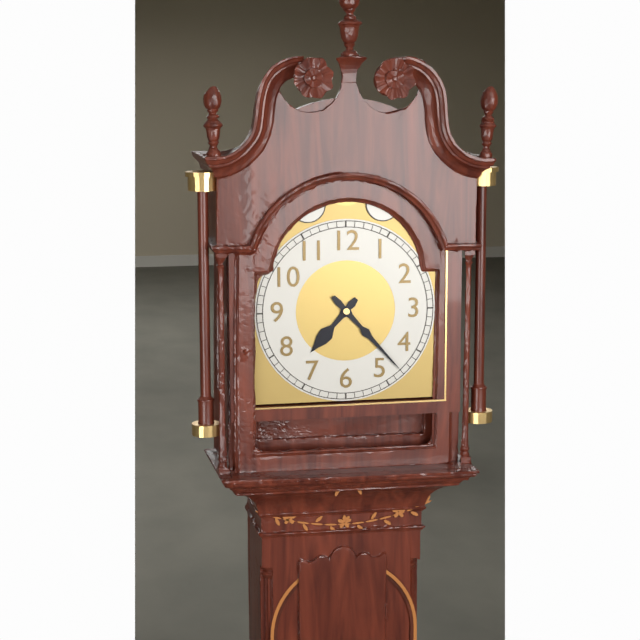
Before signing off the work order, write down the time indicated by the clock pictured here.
7:23
